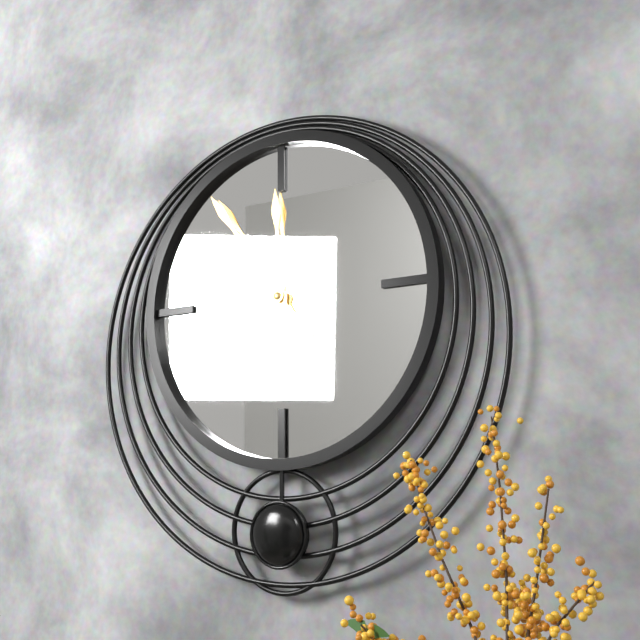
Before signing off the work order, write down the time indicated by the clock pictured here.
11:54
